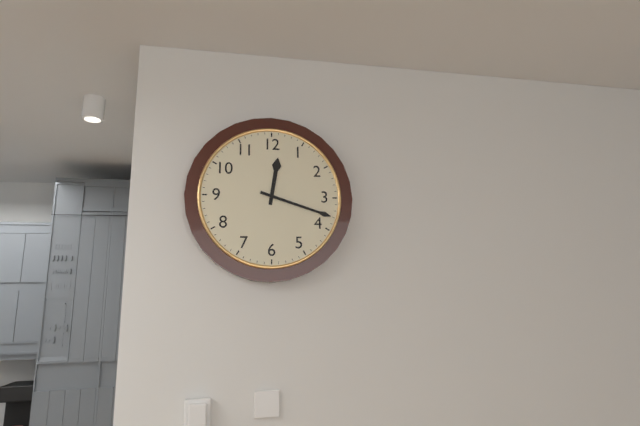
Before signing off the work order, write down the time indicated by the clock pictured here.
12:18
